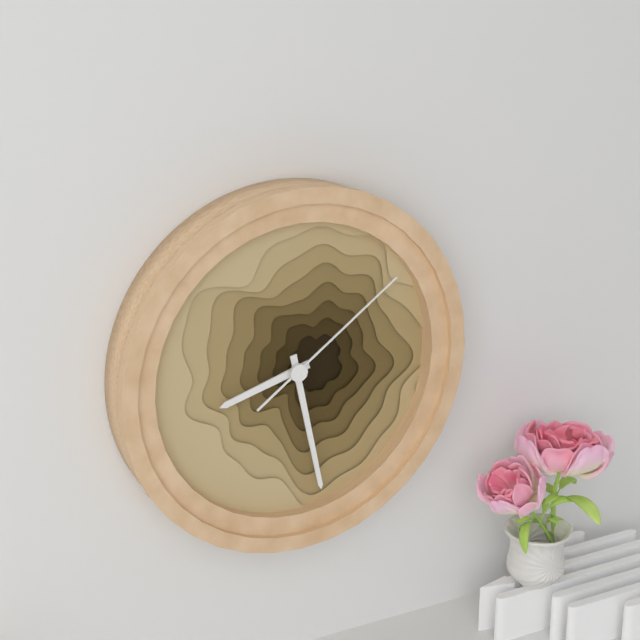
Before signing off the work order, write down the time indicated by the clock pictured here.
8:28:09
